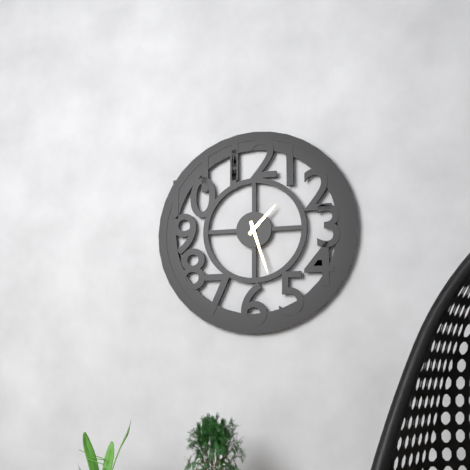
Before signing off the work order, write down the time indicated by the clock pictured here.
1:27
